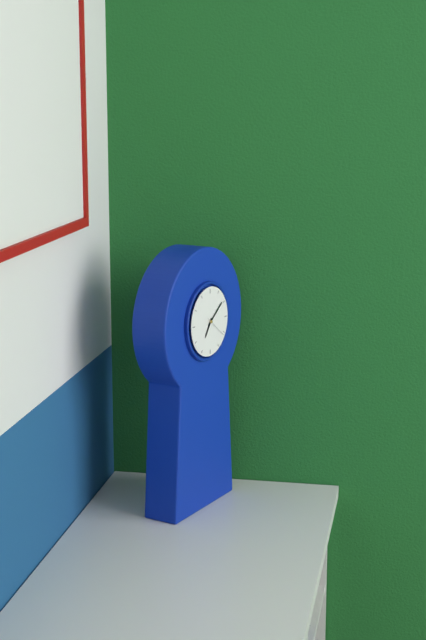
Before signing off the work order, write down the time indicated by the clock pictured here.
7:09
